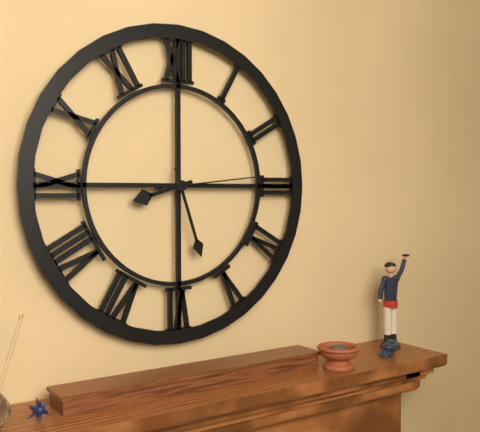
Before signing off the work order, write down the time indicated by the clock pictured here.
8:27:14
